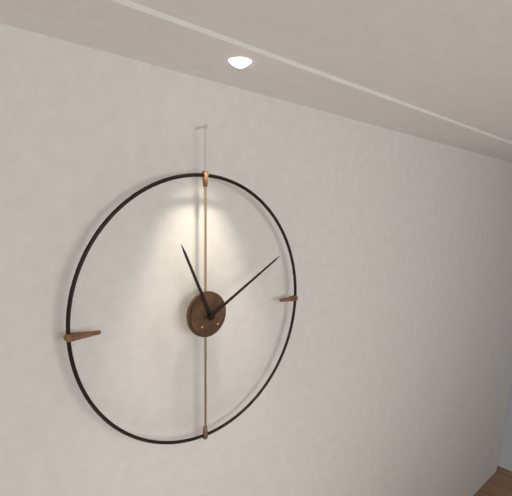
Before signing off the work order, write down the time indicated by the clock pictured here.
11:10
